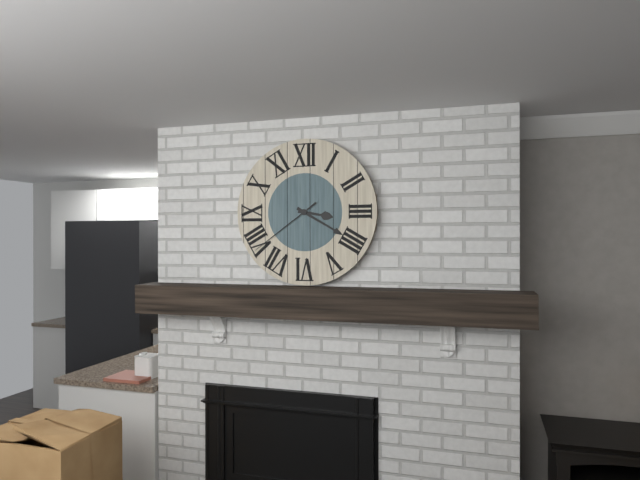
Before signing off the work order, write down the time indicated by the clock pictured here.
3:20:39
